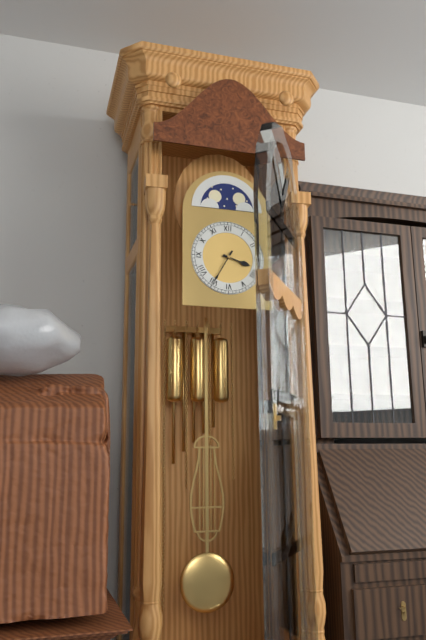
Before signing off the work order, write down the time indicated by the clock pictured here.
3:35
